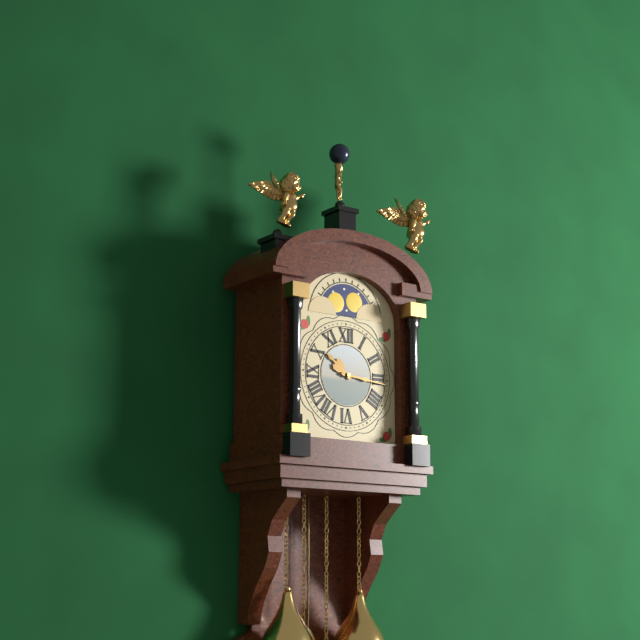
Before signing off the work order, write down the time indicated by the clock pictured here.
10:16
